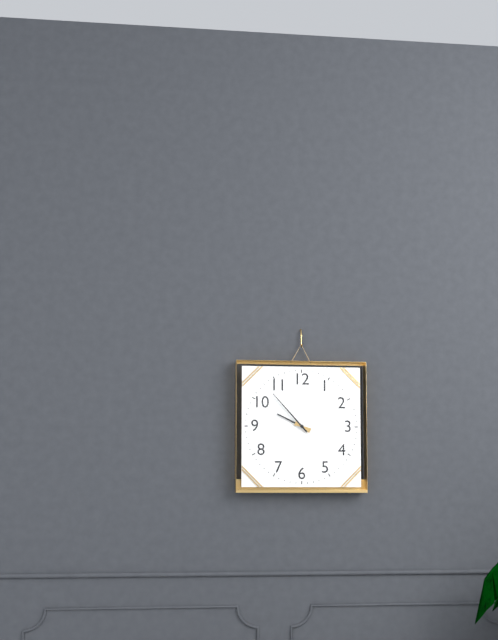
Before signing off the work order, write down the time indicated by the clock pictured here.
9:53
